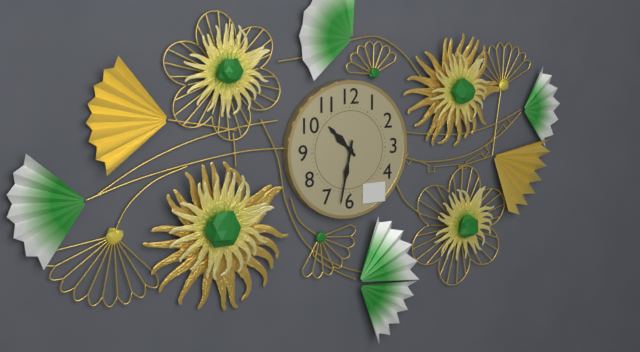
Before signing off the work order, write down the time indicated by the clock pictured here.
10:32
